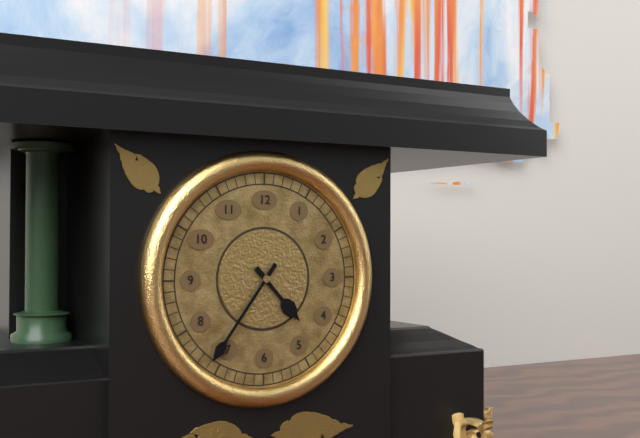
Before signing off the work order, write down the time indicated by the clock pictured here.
4:36
